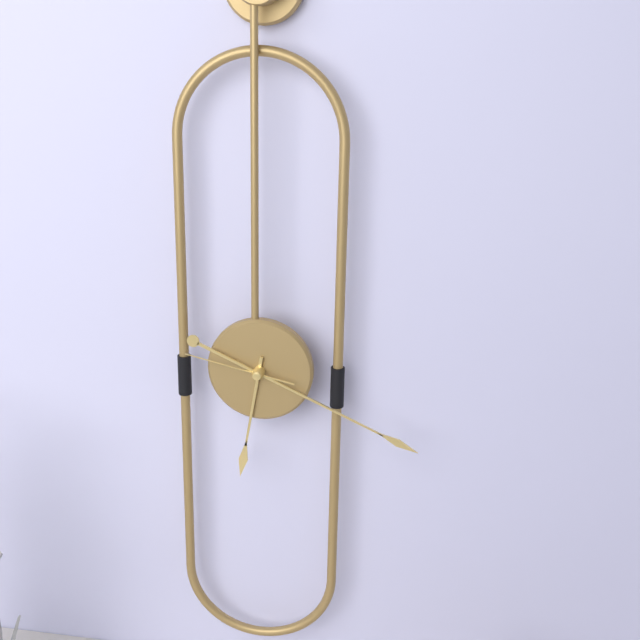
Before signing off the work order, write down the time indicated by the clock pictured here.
6:19:47
